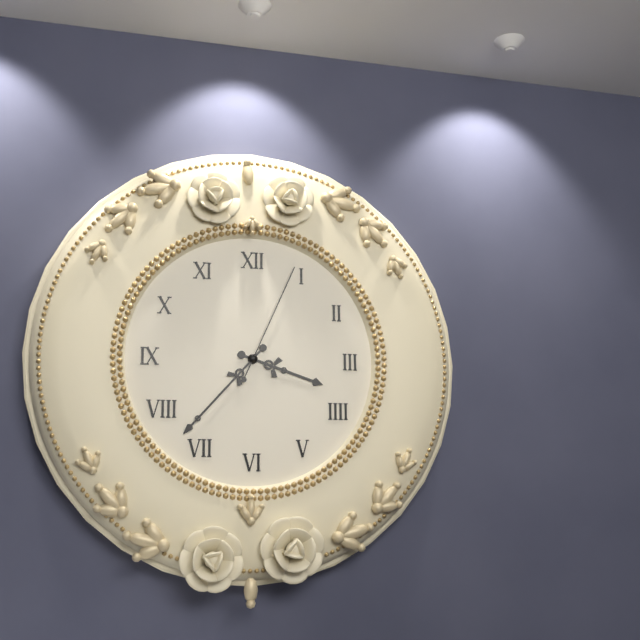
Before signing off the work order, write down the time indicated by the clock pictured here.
3:37:04
